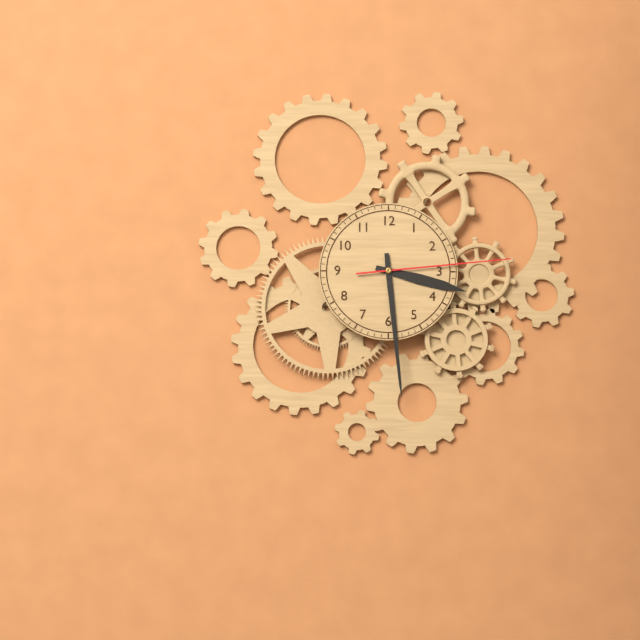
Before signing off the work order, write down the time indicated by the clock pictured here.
3:29:14
